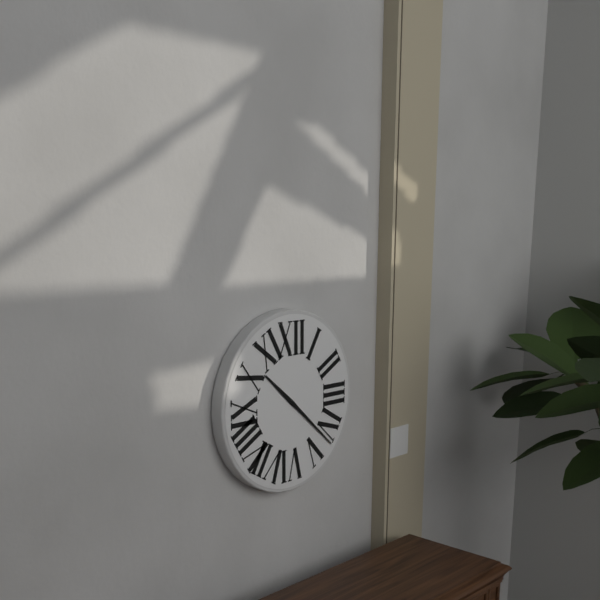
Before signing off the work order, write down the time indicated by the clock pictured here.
10:22
